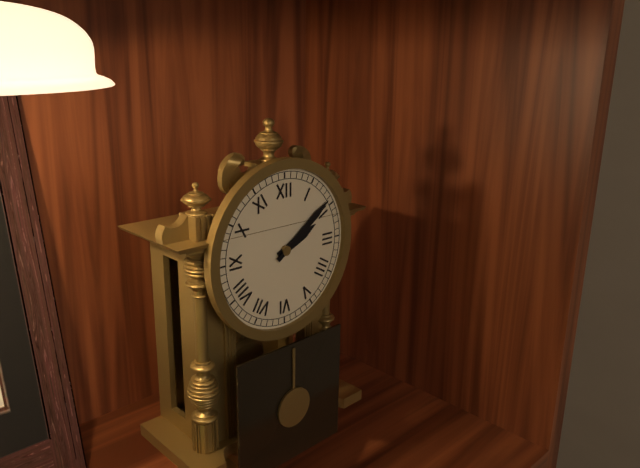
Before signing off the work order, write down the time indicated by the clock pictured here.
2:09
